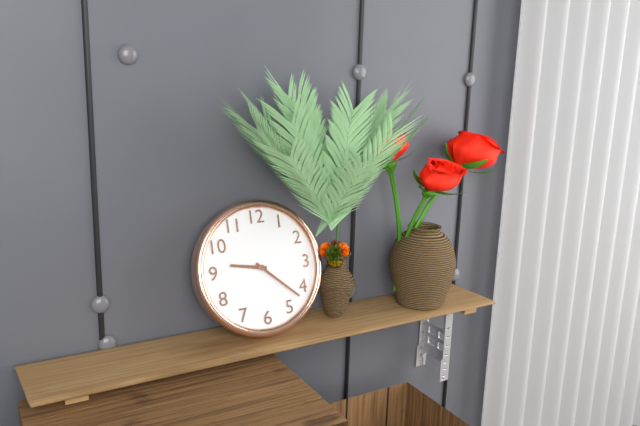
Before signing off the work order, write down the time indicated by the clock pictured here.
9:22
